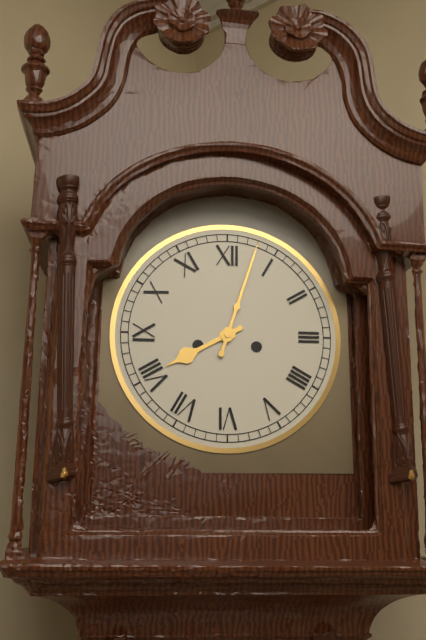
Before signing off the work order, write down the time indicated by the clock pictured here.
8:03
